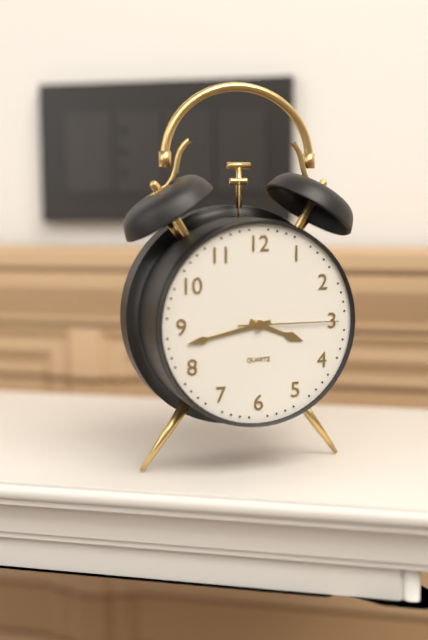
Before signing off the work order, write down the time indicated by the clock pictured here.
3:43:15
